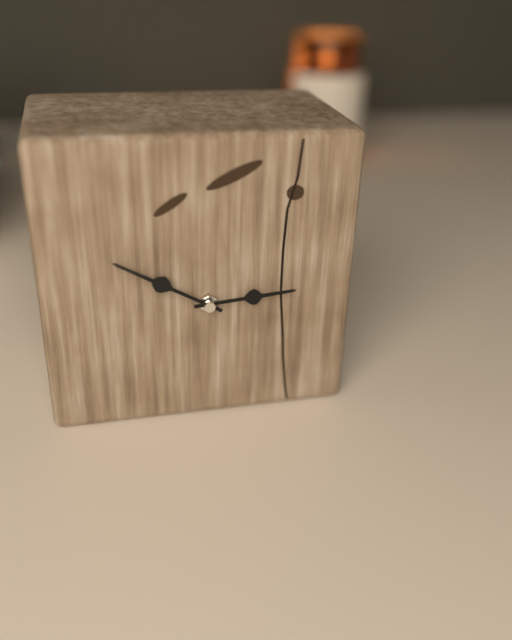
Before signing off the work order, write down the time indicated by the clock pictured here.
2:50
